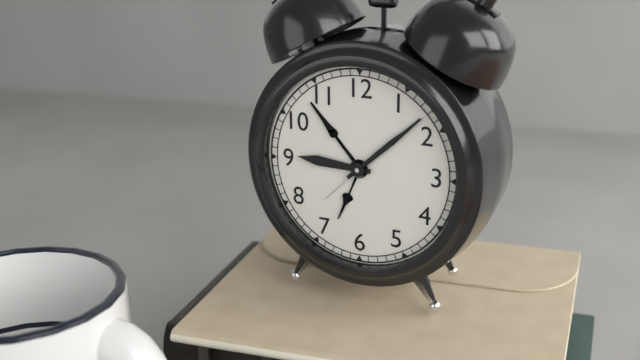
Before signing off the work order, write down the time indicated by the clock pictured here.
9:08
